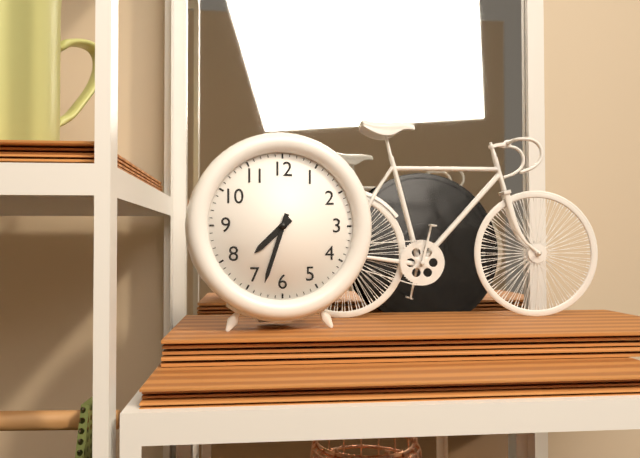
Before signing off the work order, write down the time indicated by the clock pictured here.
7:33
